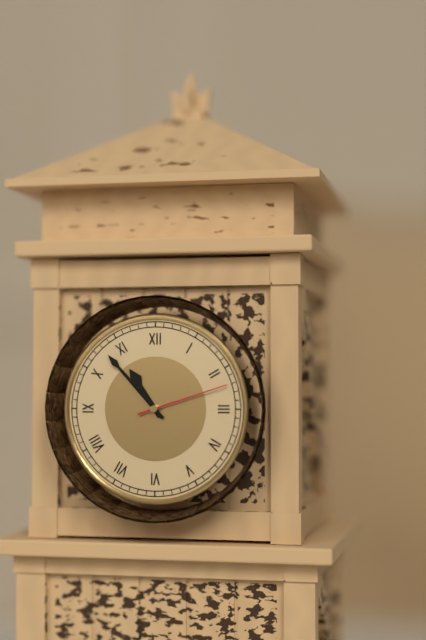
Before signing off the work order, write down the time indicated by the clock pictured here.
10:53:12
